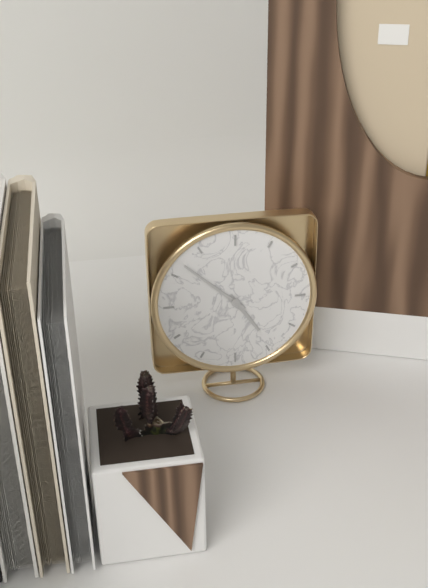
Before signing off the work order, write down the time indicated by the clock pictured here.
4:52
